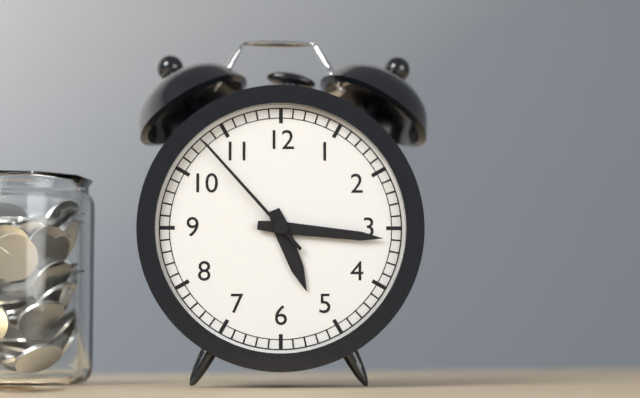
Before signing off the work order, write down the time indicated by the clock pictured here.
5:16:53
